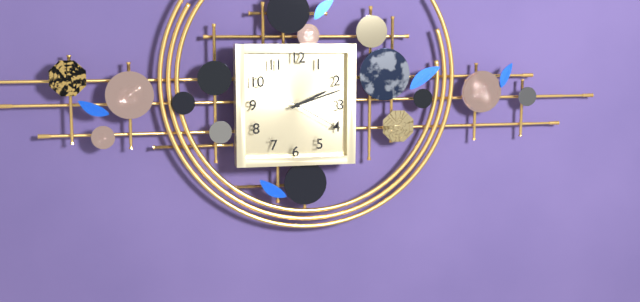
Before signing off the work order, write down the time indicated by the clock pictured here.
2:12:20
